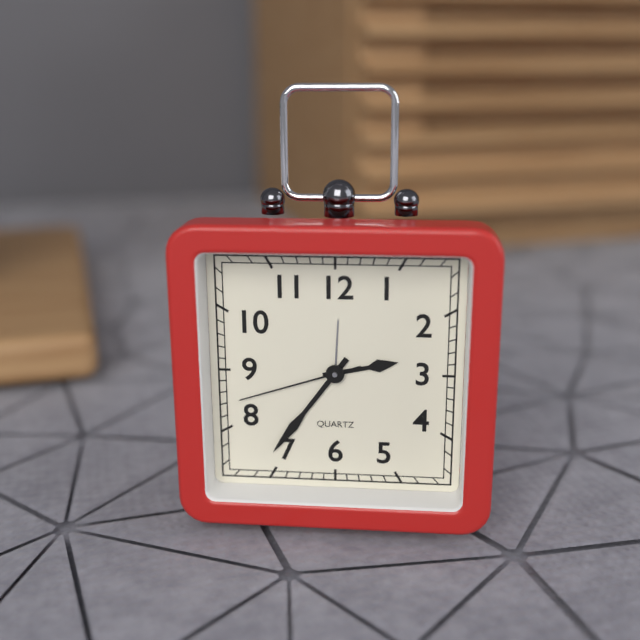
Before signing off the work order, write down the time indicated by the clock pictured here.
2:36:42
